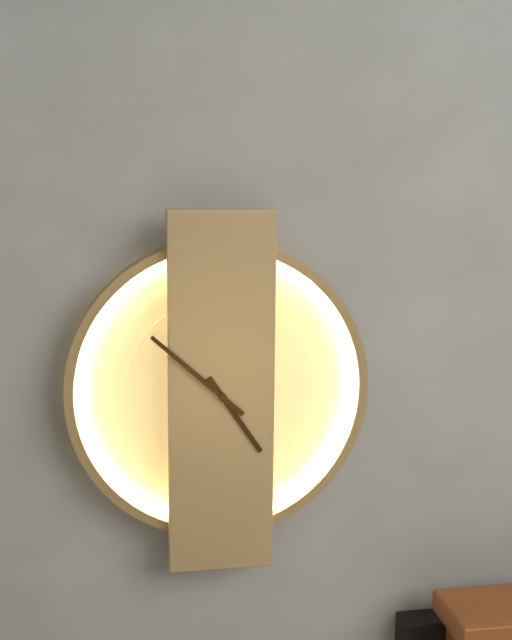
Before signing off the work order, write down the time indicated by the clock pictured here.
4:52
